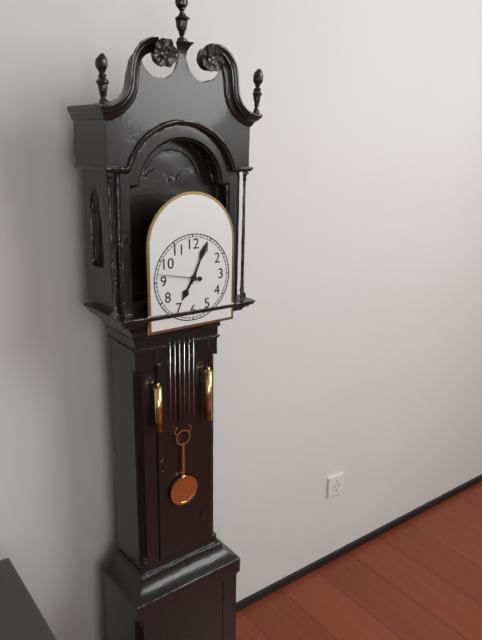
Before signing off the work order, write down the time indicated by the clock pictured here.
7:04
